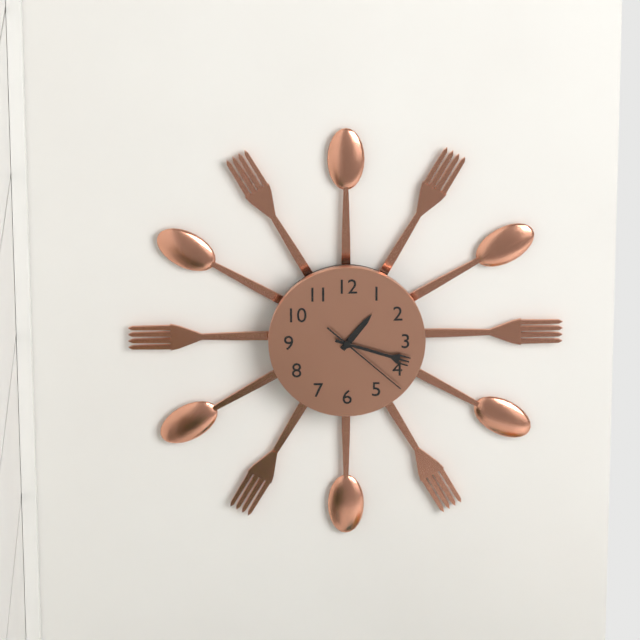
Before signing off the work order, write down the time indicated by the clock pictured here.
1:18:22
